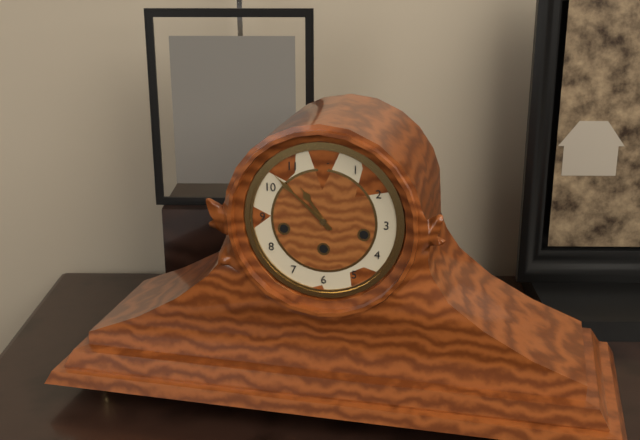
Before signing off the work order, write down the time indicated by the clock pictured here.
10:52
